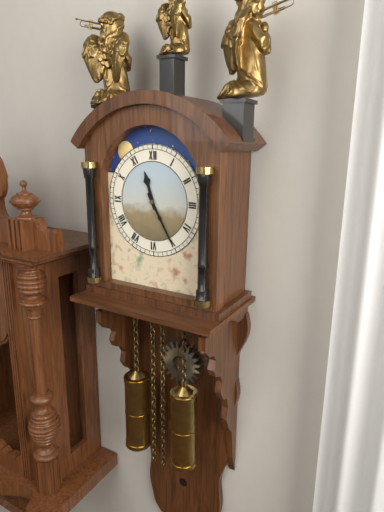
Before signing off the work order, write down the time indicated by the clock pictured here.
11:25
